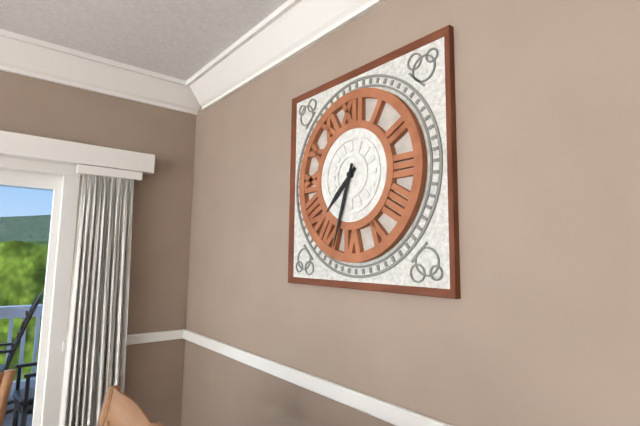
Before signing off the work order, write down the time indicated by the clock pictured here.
7:33
